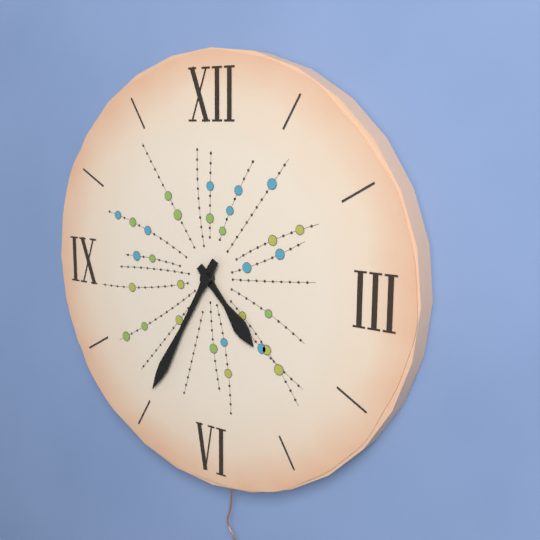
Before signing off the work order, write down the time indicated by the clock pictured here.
4:35
